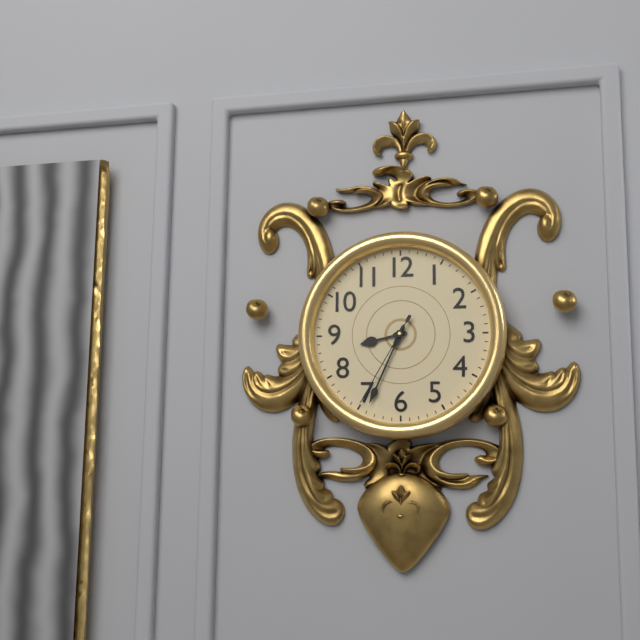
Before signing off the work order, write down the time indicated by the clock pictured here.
8:34:35
